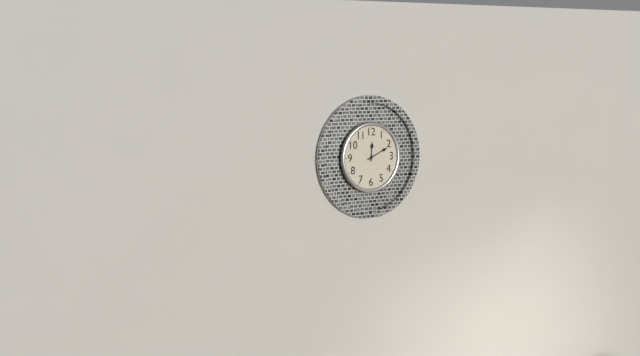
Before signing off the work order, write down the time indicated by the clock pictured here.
12:11
